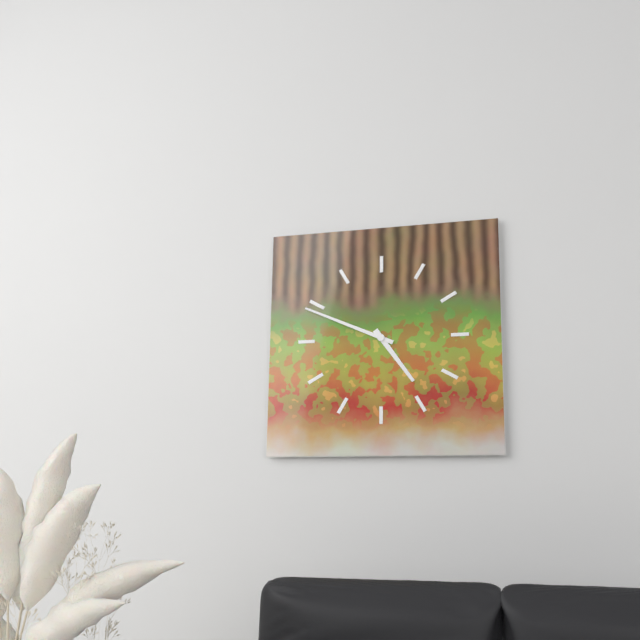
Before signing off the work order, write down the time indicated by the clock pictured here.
4:49
